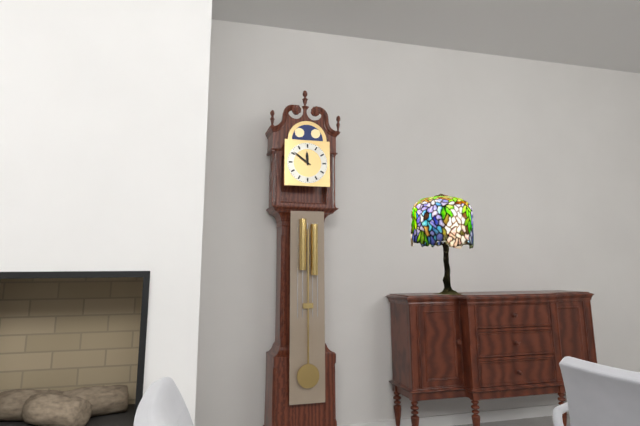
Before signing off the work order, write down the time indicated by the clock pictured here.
11:51
